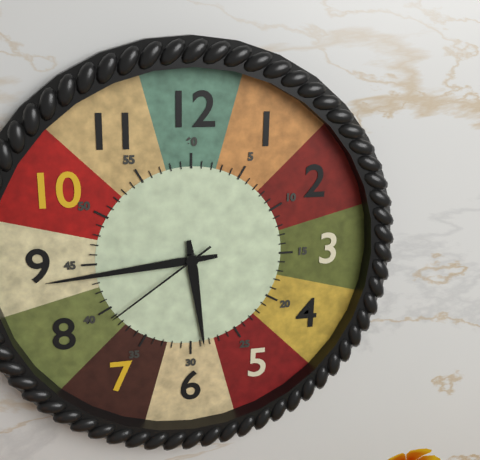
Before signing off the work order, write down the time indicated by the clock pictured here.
5:44:39
